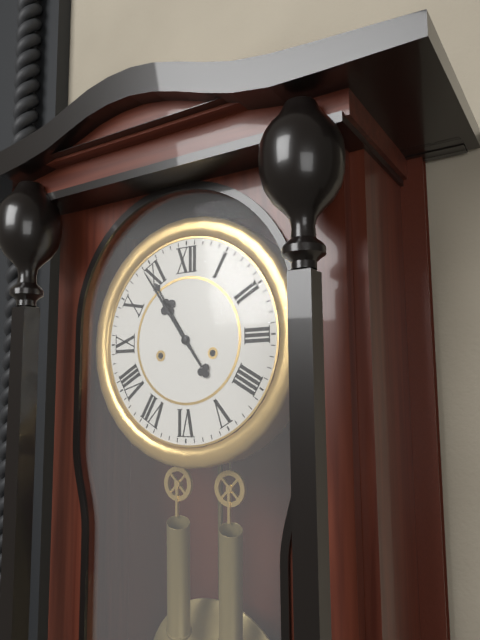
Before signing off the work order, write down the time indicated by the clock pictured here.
10:54
